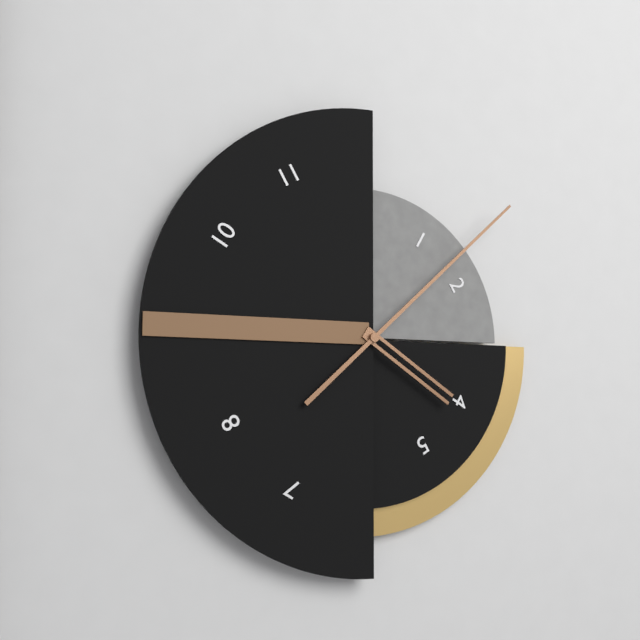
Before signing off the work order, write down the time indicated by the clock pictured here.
4:08
